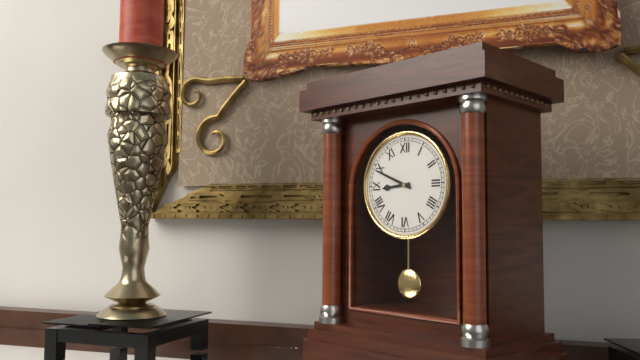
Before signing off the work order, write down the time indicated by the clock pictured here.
8:49
